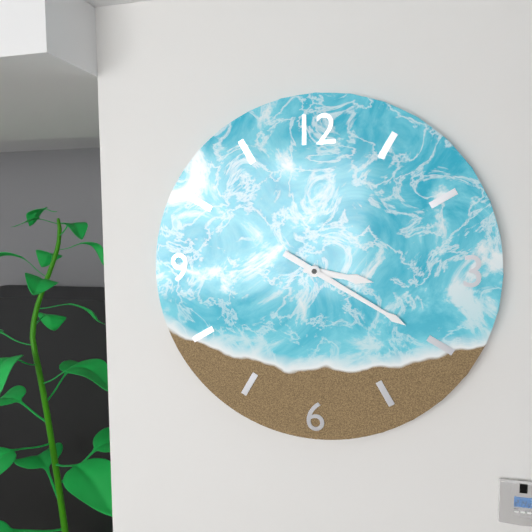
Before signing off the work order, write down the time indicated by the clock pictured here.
3:20
